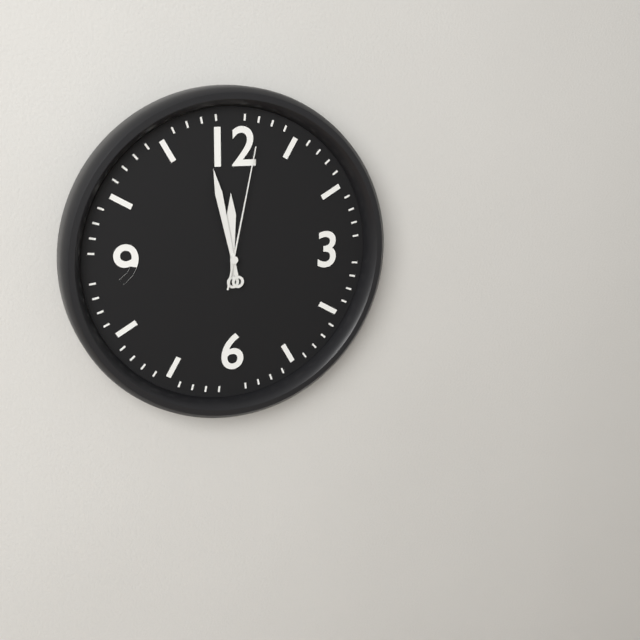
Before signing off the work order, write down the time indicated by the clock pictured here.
11:58:02
